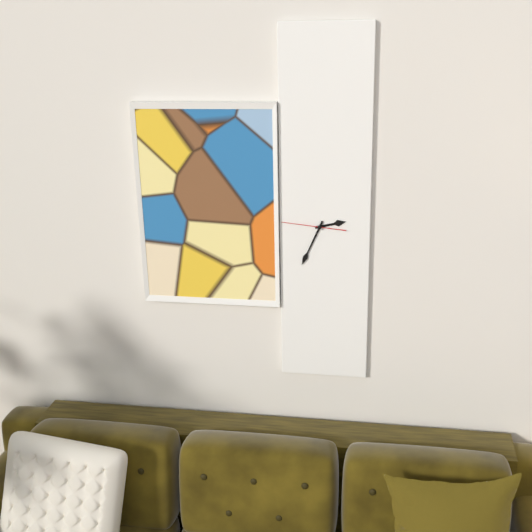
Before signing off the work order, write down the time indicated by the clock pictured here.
2:34
